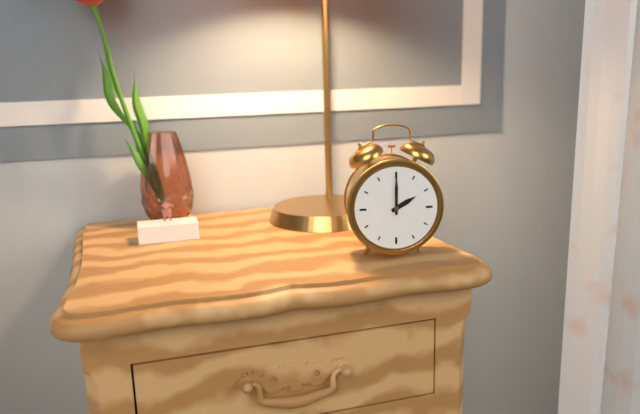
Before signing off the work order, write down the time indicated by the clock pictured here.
2:00
